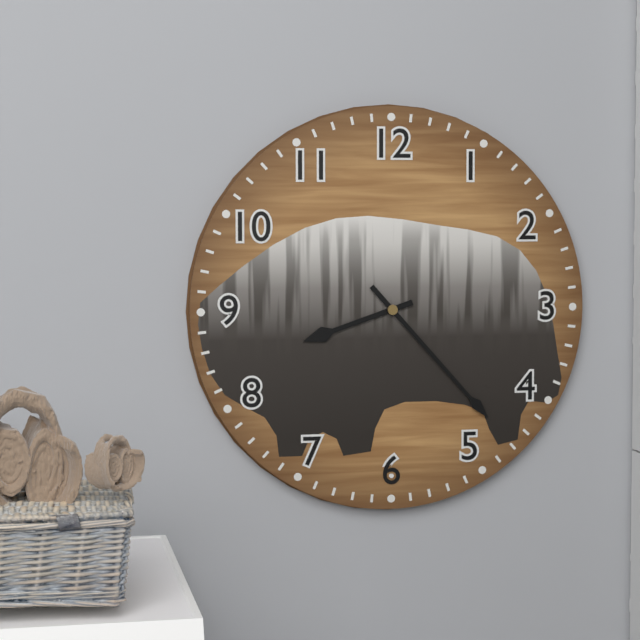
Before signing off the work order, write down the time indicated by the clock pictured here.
8:23
